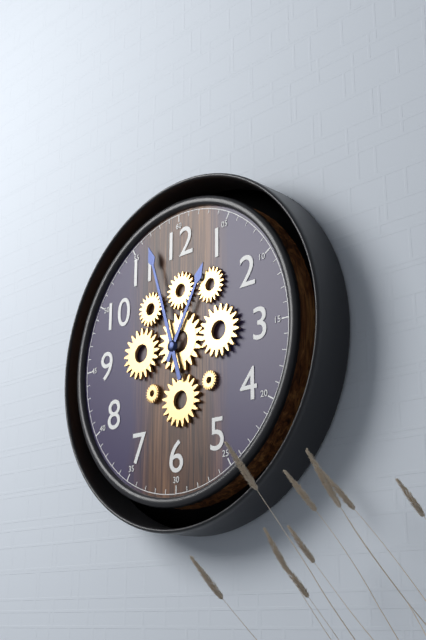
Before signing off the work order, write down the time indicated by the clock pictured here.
12:57
